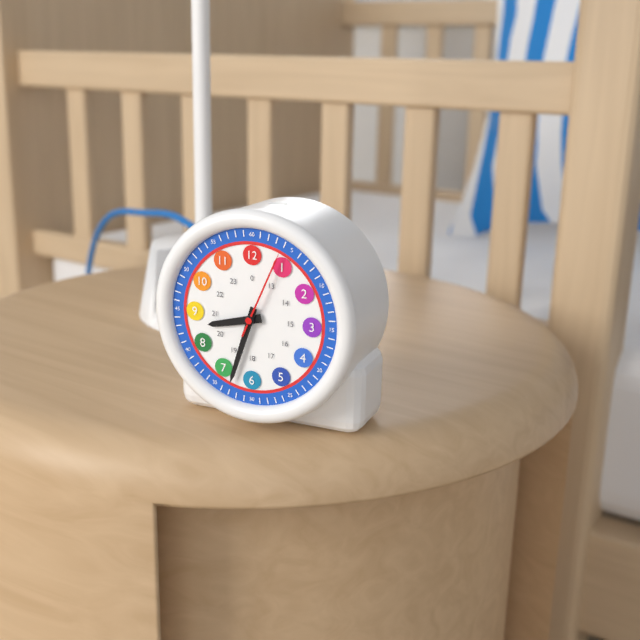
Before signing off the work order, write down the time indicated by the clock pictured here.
8:33:04
